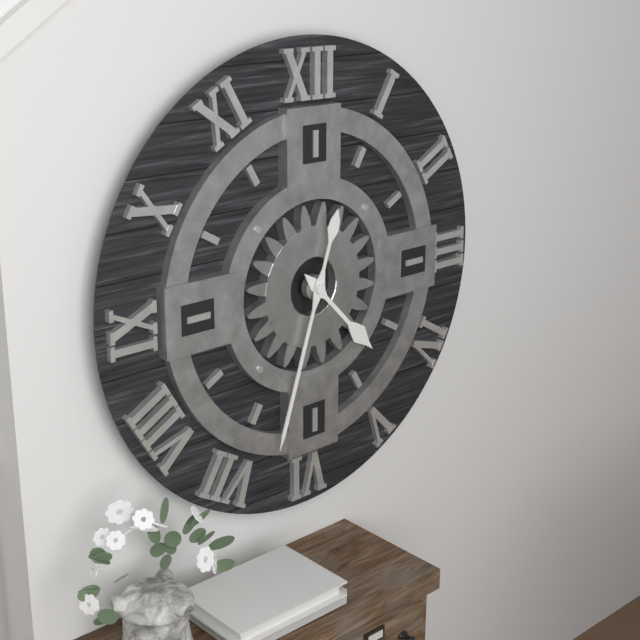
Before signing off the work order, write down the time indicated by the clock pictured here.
4:33
